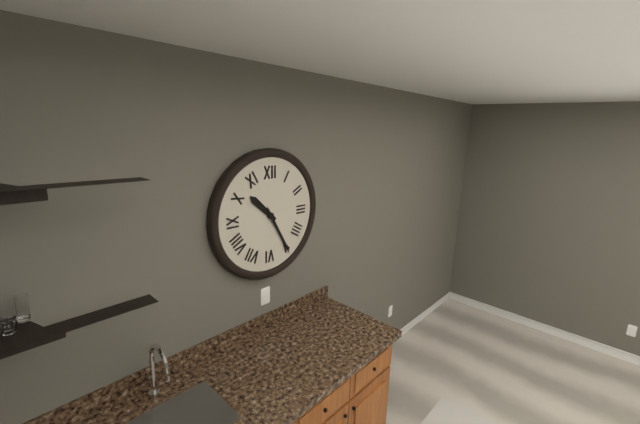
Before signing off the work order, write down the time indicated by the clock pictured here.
10:25
